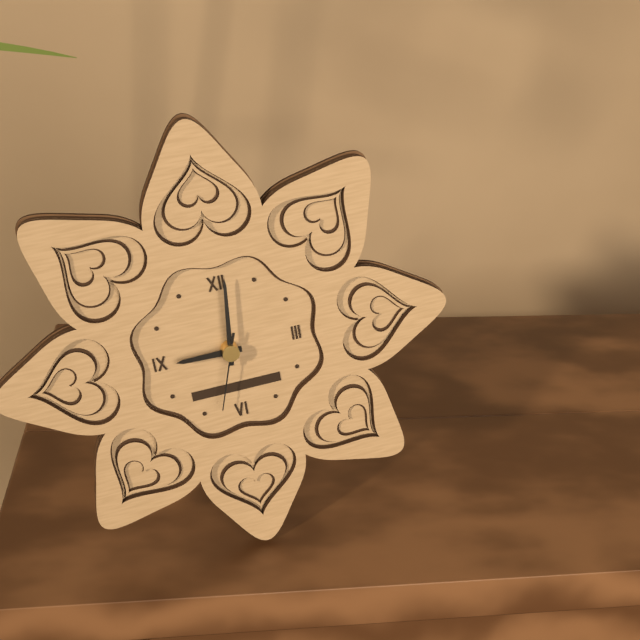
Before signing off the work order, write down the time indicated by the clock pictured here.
9:01:33
